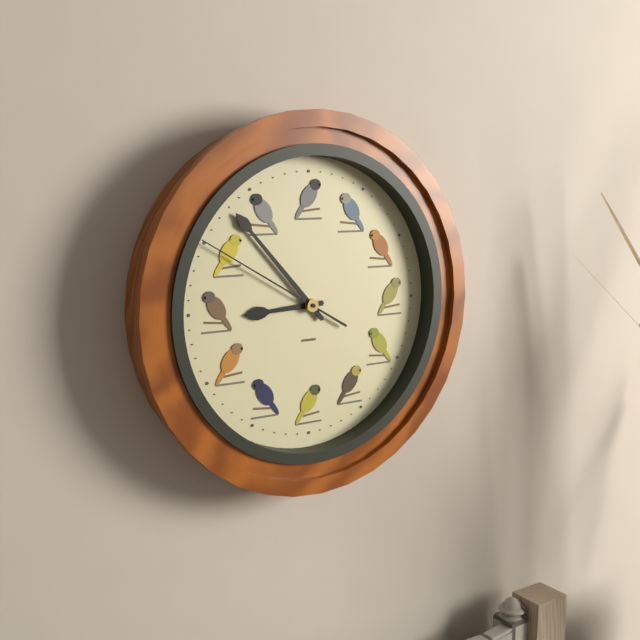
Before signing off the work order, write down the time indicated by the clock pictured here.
8:53:50
